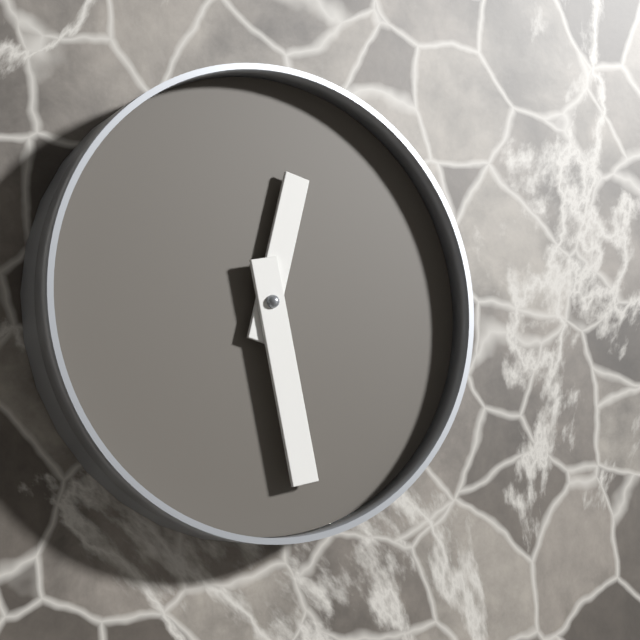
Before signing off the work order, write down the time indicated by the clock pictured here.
12:28
